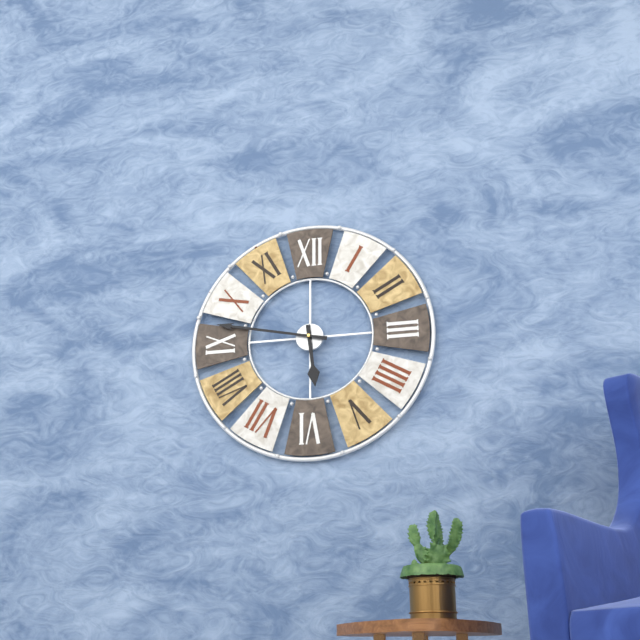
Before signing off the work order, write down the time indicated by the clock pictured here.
5:47
